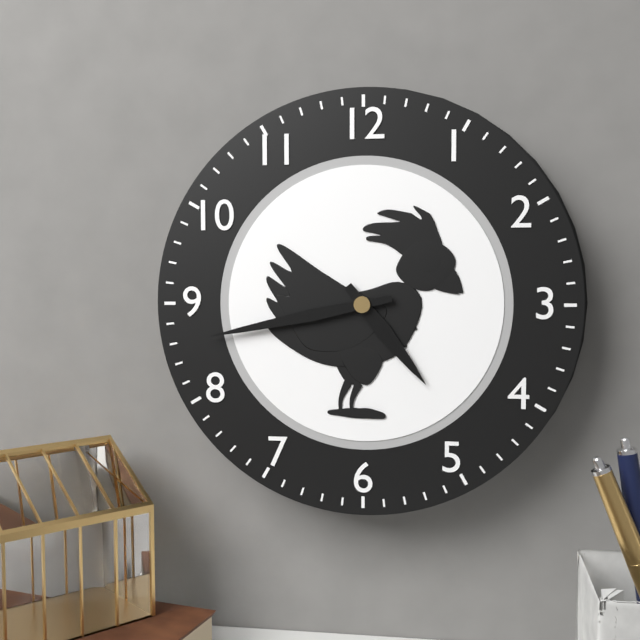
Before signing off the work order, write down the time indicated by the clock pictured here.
4:43
